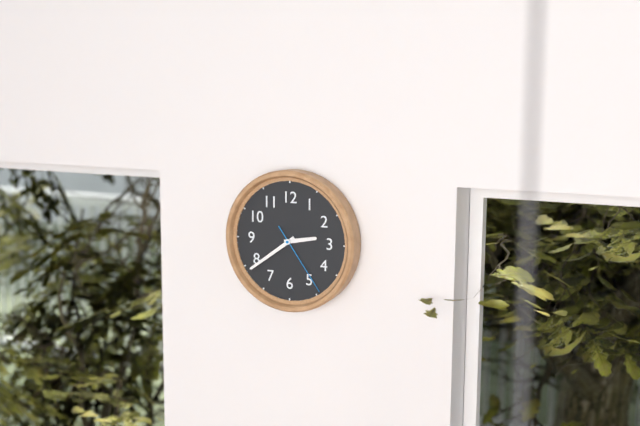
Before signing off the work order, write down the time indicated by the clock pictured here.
2:39:24
